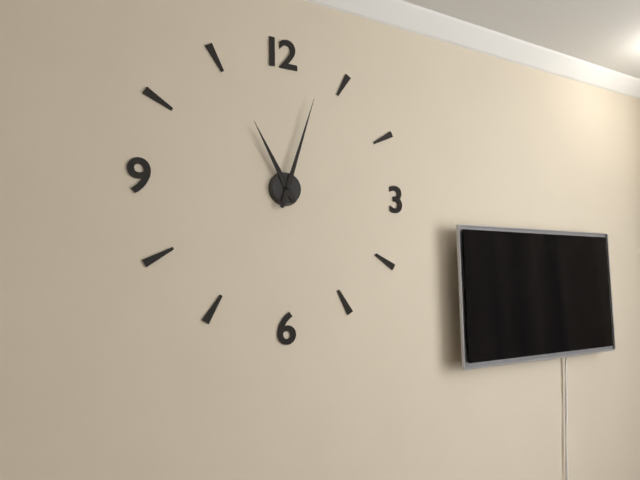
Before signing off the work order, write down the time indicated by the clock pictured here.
11:03
